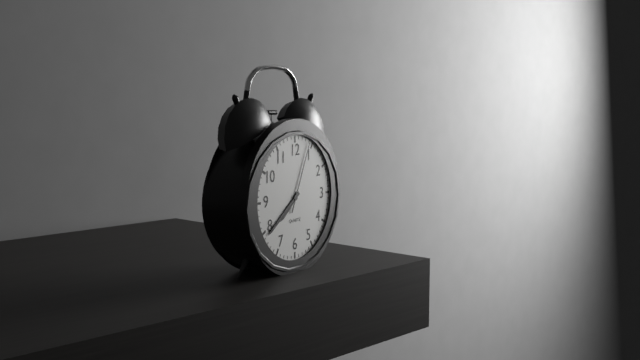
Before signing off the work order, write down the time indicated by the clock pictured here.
7:39:04
